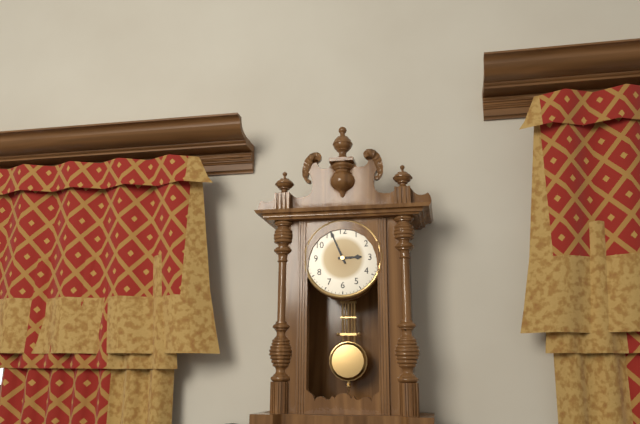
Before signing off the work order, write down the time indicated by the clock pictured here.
2:56
